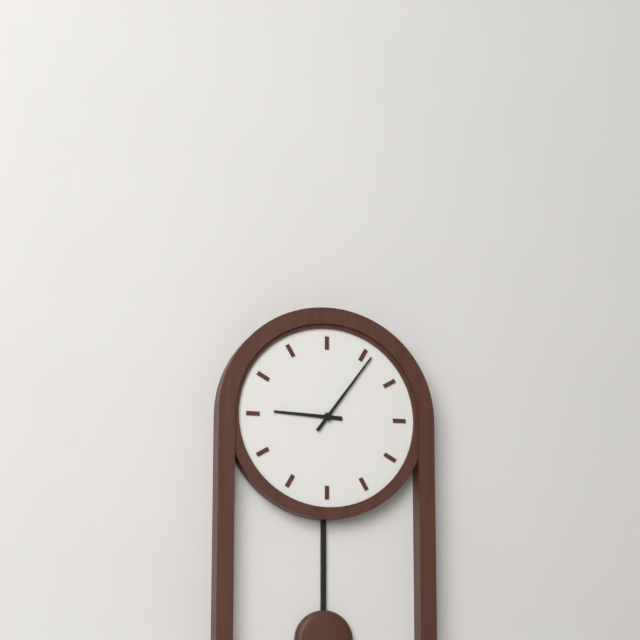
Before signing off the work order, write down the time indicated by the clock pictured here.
9:06
